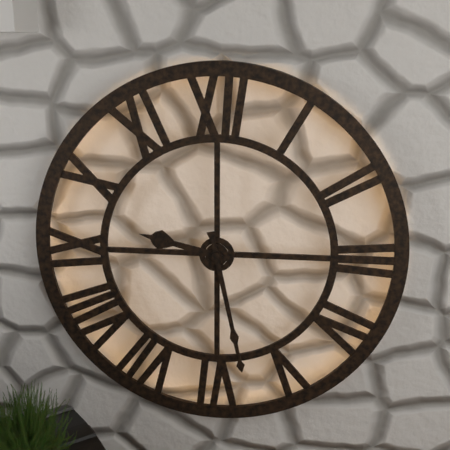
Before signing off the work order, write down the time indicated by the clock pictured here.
9:28
